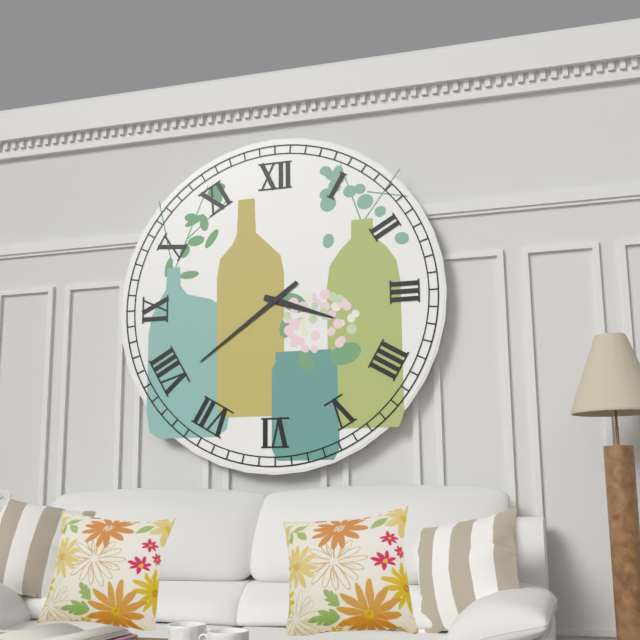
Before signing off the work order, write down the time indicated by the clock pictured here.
3:39
